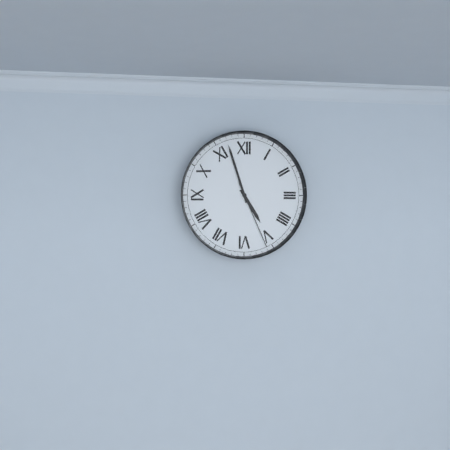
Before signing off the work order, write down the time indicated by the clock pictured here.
4:57:26
